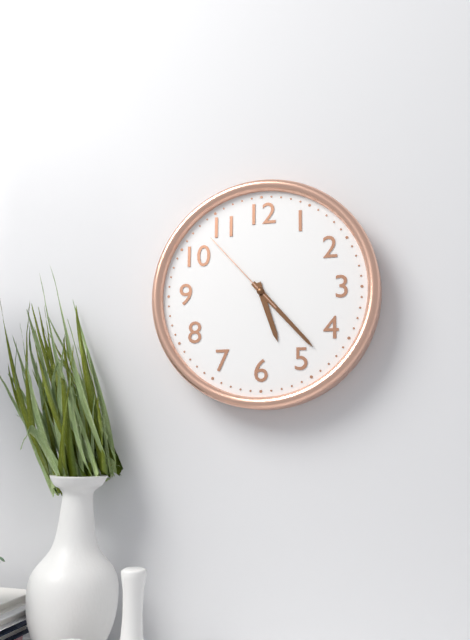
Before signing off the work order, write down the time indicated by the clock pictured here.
5:23:53
